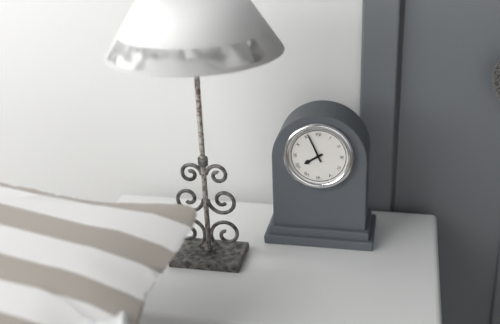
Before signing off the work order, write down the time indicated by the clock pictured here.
7:56
